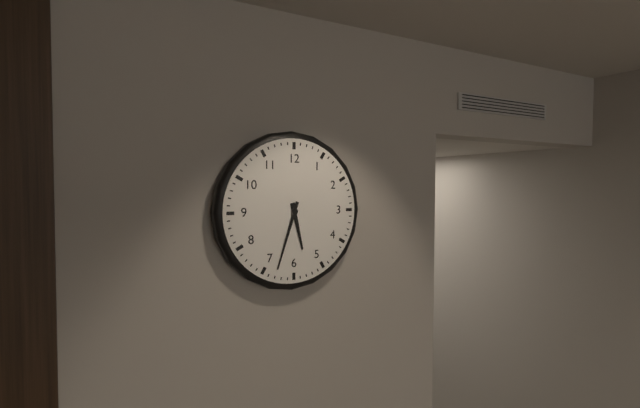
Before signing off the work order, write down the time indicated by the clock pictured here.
5:33
